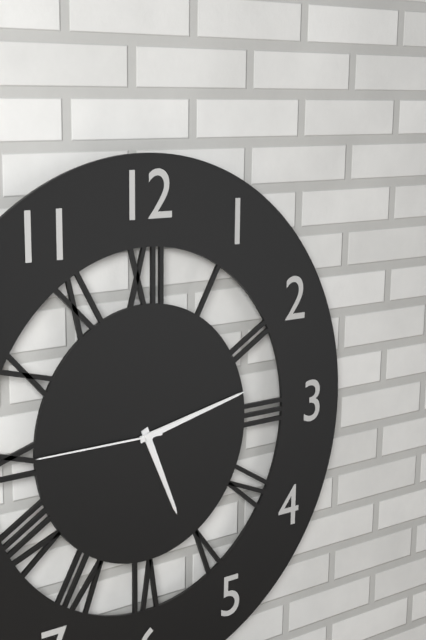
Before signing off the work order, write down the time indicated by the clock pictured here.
5:13:45
